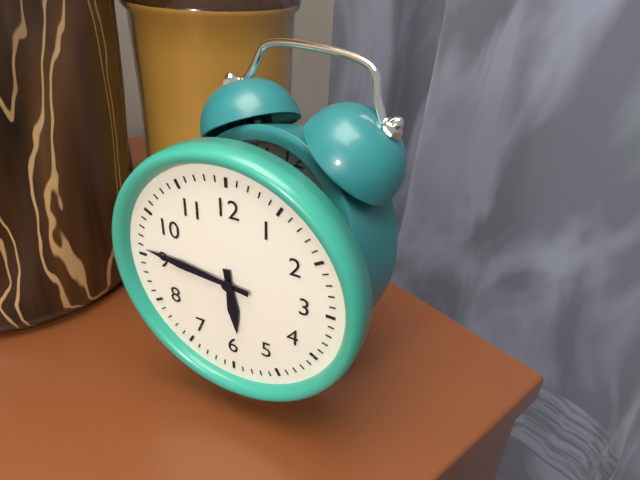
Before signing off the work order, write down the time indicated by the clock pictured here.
5:46
